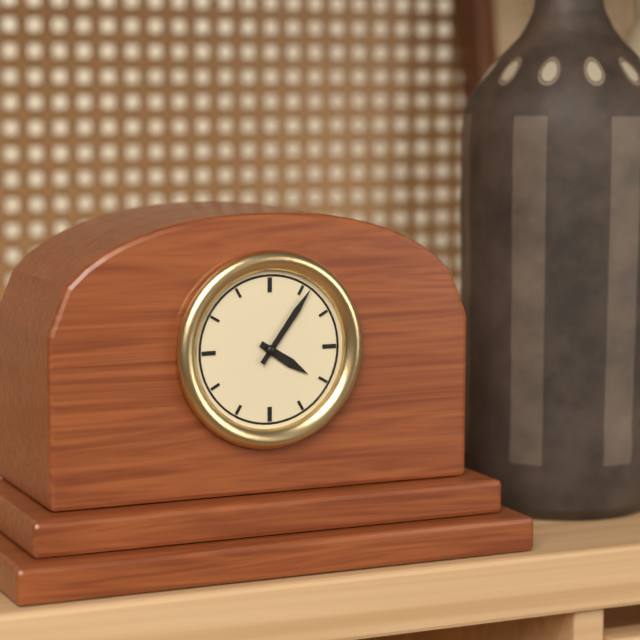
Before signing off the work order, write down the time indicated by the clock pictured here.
4:06
